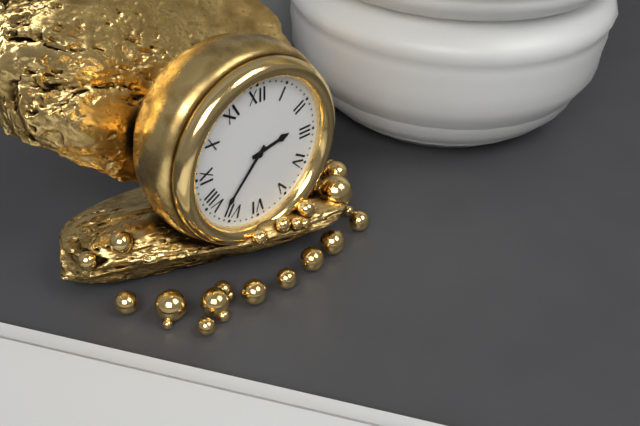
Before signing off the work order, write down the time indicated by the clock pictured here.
2:37
